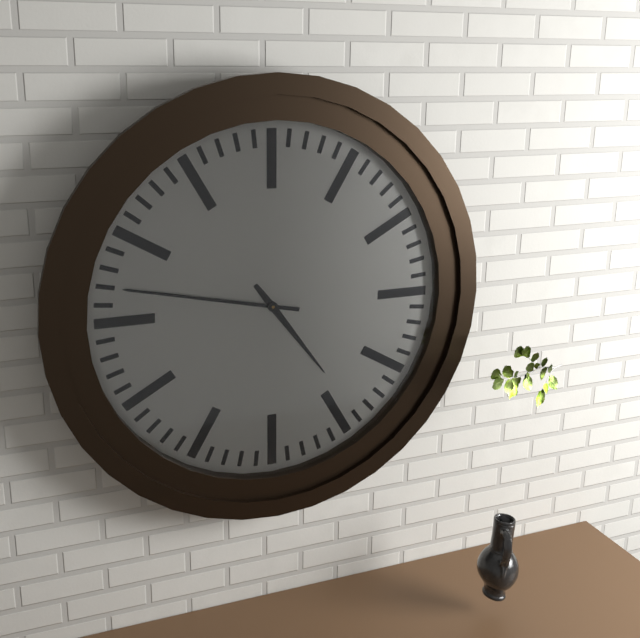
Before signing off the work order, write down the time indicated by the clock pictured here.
4:47
